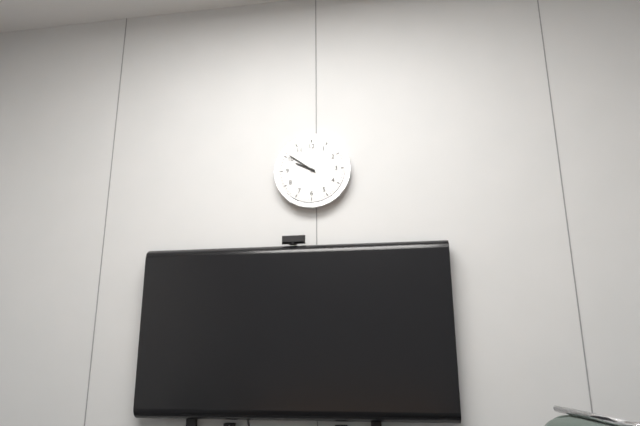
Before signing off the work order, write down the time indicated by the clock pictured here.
9:51
